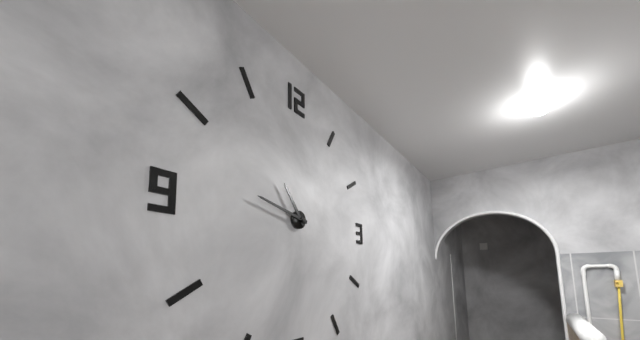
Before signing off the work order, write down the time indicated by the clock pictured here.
10:47
